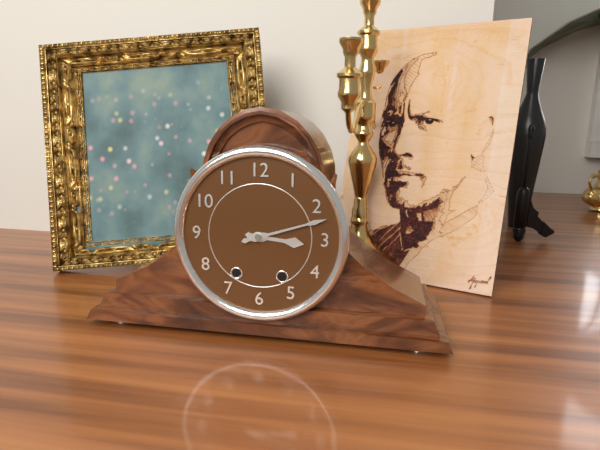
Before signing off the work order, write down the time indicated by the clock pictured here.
3:12
